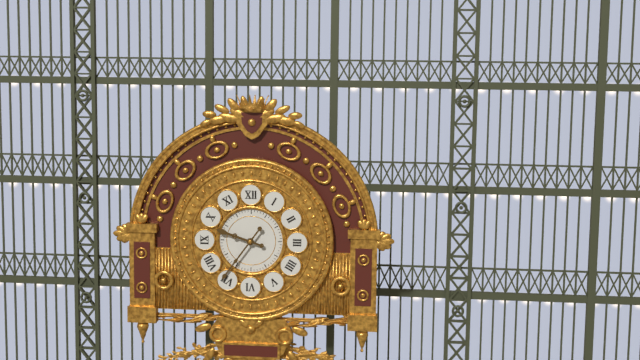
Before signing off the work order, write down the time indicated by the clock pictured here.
9:36
